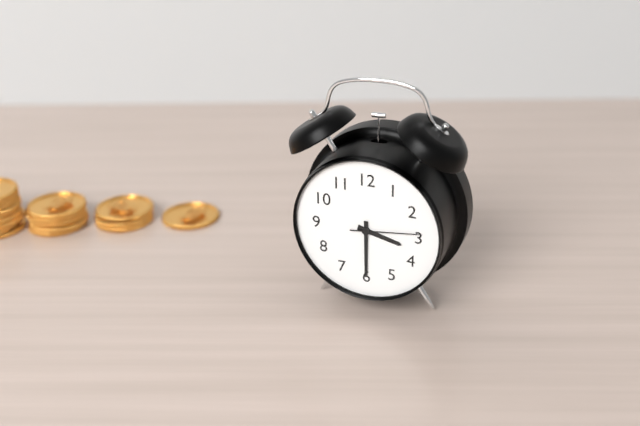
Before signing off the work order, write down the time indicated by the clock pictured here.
3:30:14
